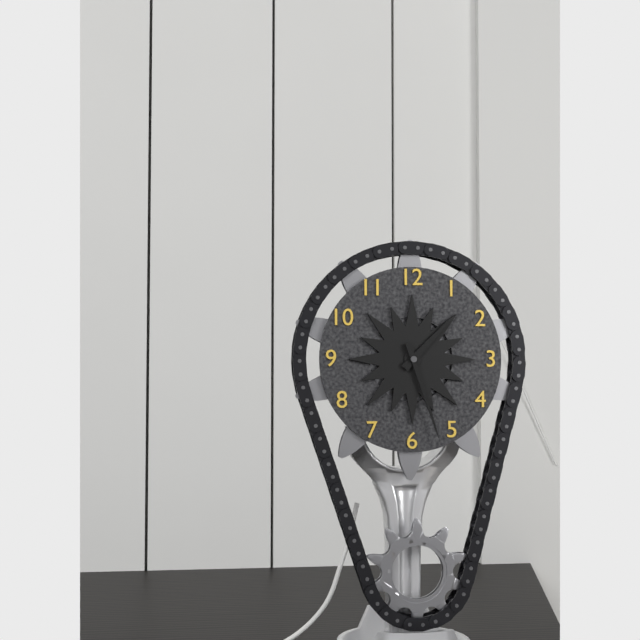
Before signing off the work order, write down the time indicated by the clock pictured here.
1:27
